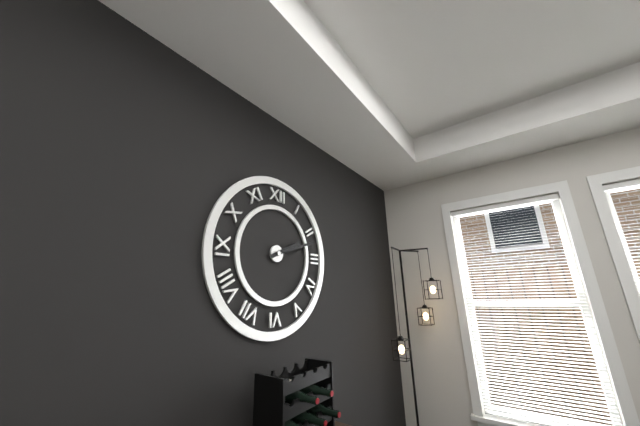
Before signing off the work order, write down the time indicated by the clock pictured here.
2:12
